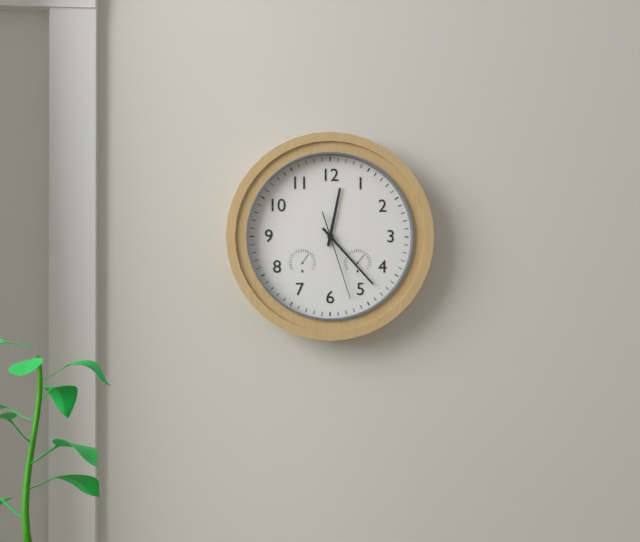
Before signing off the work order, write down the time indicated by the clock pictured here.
12:23:27
